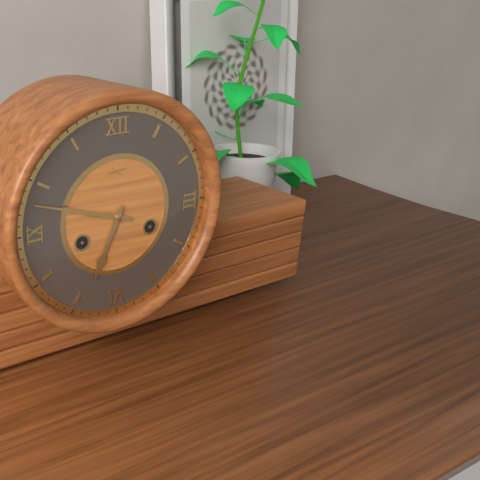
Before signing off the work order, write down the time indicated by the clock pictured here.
6:48
